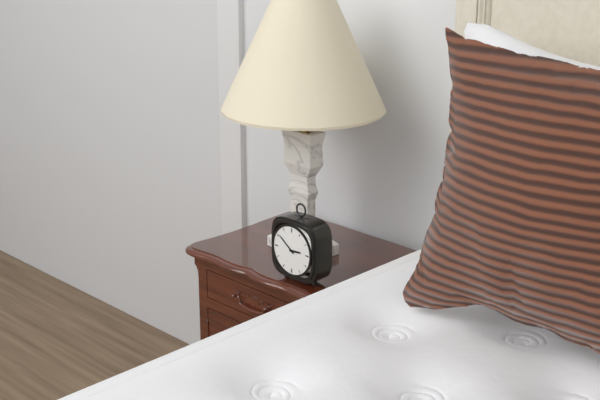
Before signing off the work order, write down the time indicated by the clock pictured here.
2:51
